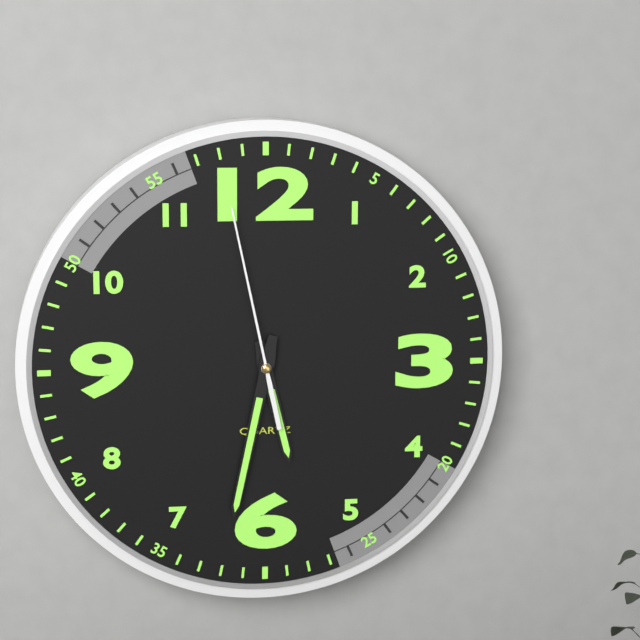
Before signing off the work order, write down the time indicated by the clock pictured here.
5:32:58
